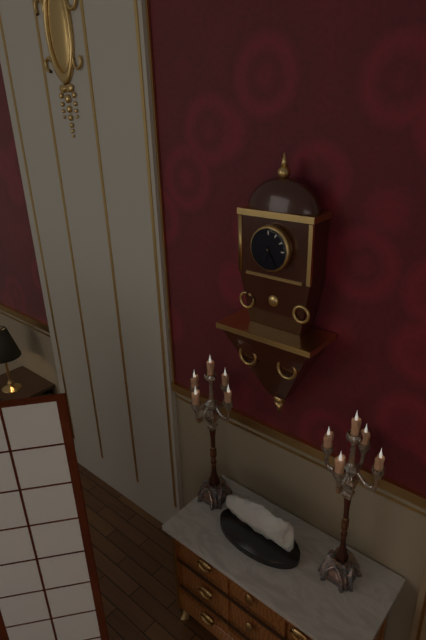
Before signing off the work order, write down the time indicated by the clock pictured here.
6:25
